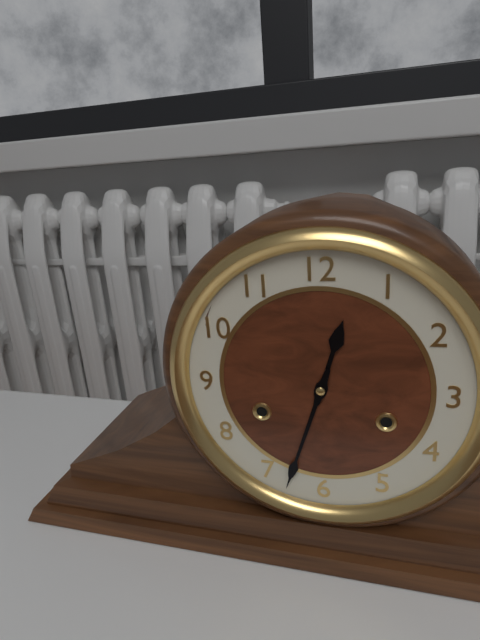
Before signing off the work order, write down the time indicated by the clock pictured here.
12:33
